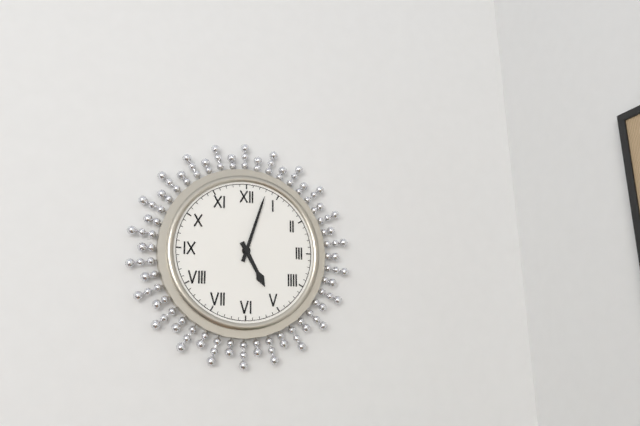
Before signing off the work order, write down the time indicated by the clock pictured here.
5:03
